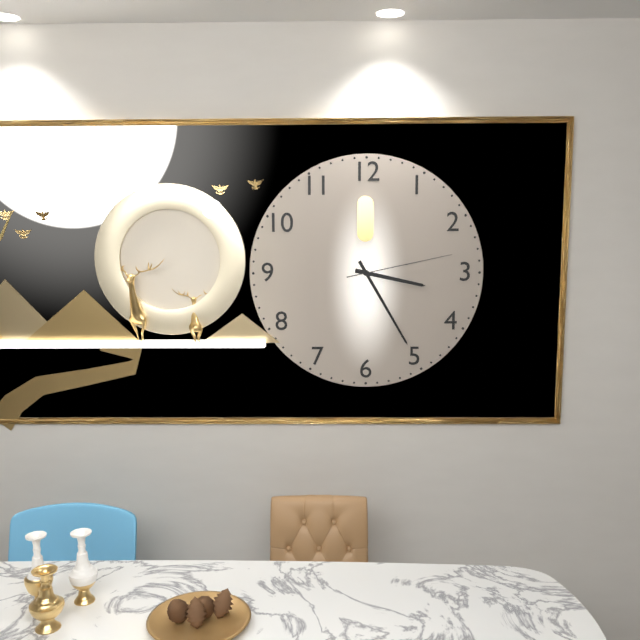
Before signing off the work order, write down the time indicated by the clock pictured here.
3:25:13
